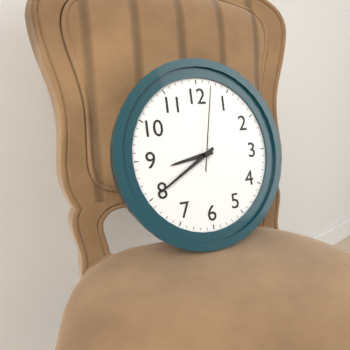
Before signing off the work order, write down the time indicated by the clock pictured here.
8:40:02
